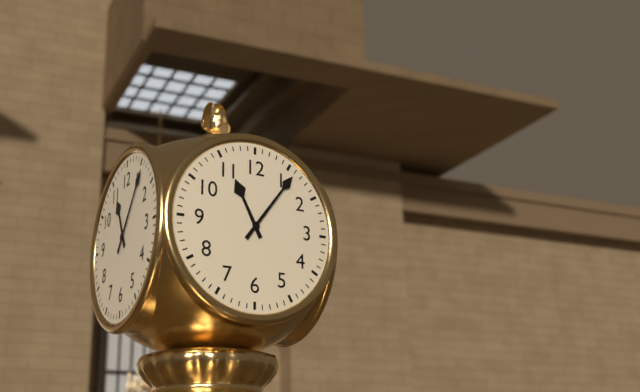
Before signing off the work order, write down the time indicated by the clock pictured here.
11:06
